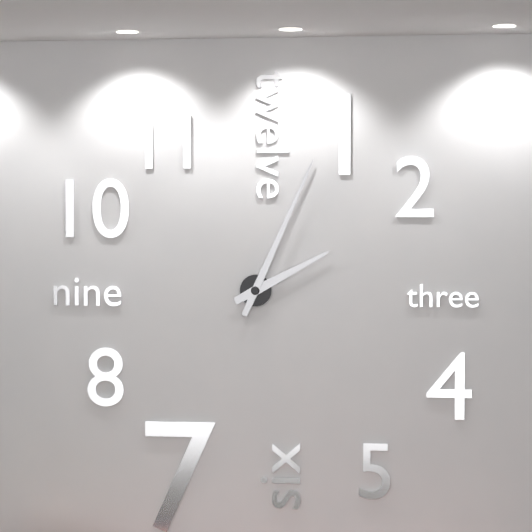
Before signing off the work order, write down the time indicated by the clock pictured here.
2:04
